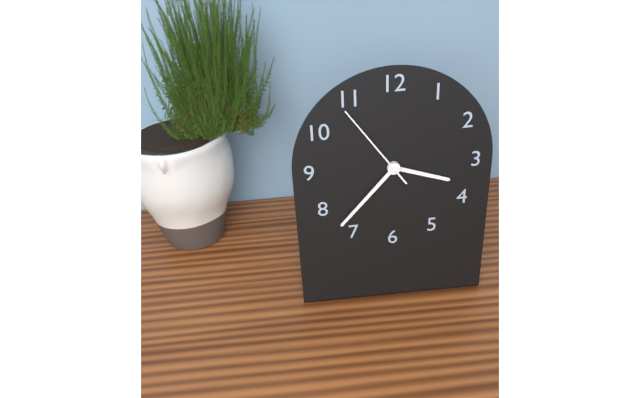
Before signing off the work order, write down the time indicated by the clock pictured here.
3:37:54
